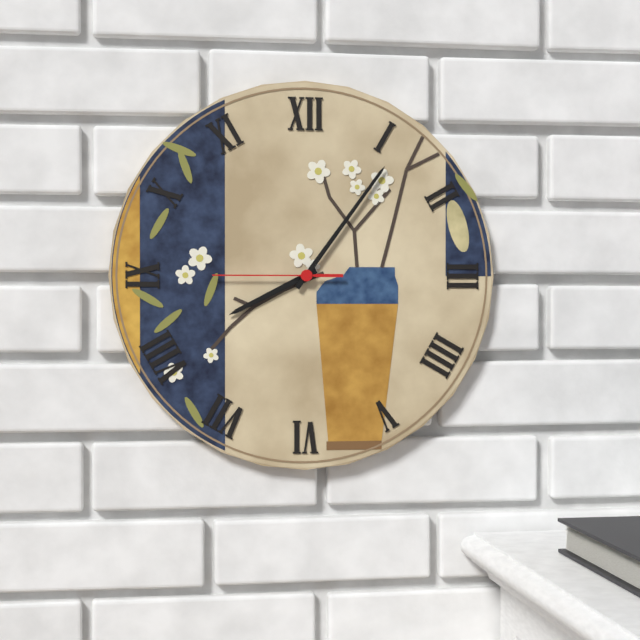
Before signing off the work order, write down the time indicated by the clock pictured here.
8:06:45
